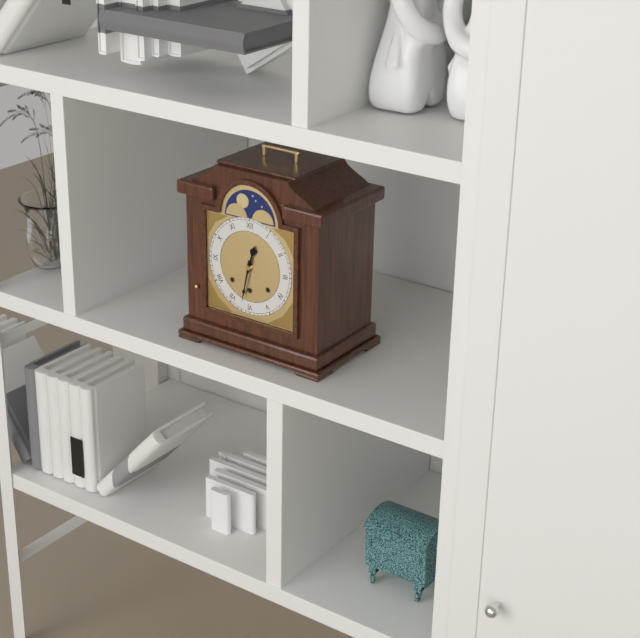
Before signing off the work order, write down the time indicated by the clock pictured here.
12:32
